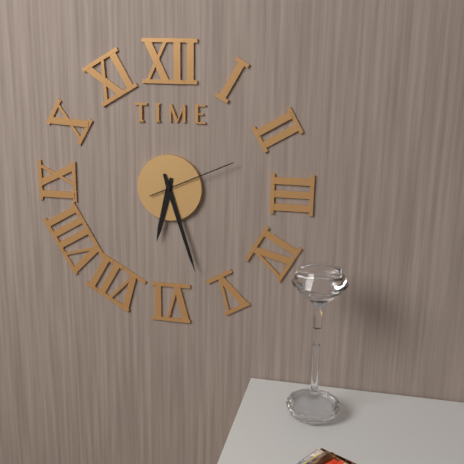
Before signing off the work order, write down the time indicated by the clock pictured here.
6:27:11
